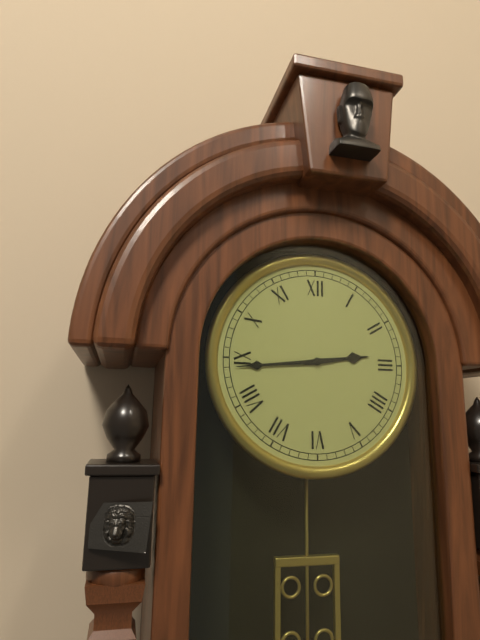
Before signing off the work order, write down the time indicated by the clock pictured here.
2:44
